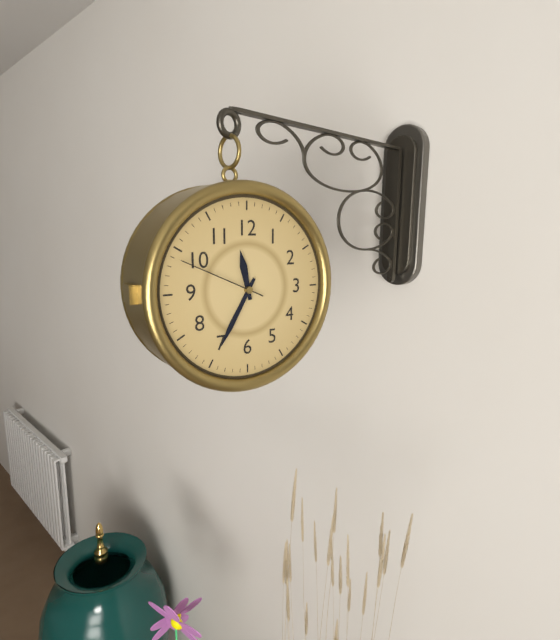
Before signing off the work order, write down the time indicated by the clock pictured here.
11:35:49
